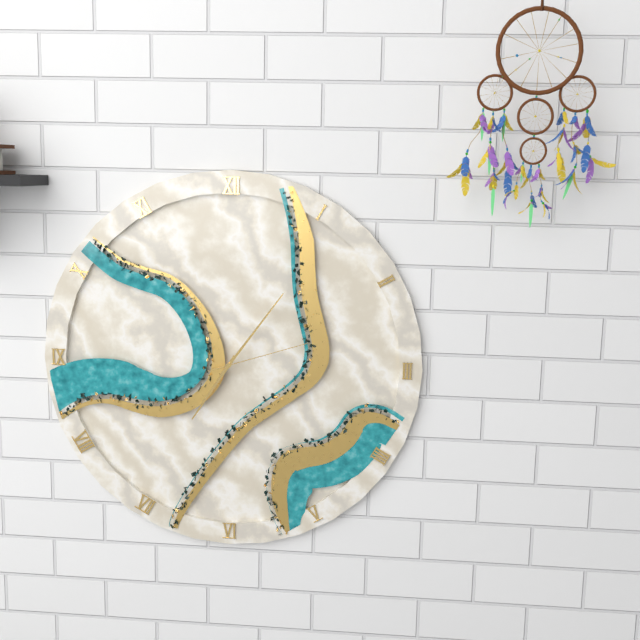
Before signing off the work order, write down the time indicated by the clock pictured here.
7:06:12
